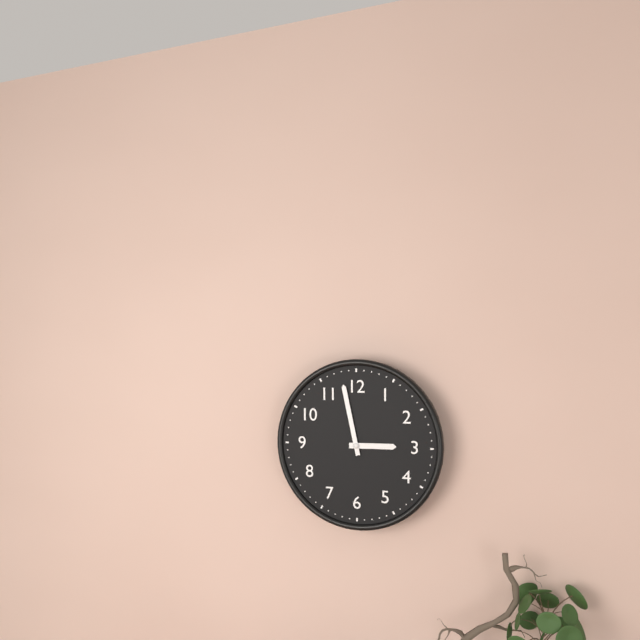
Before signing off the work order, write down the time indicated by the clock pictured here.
2:58
